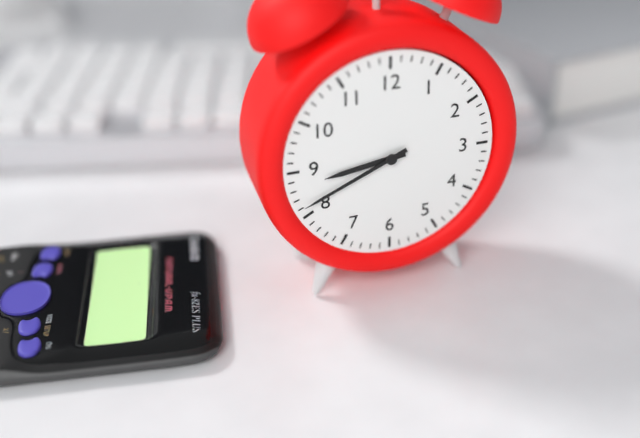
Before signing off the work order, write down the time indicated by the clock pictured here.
8:41
